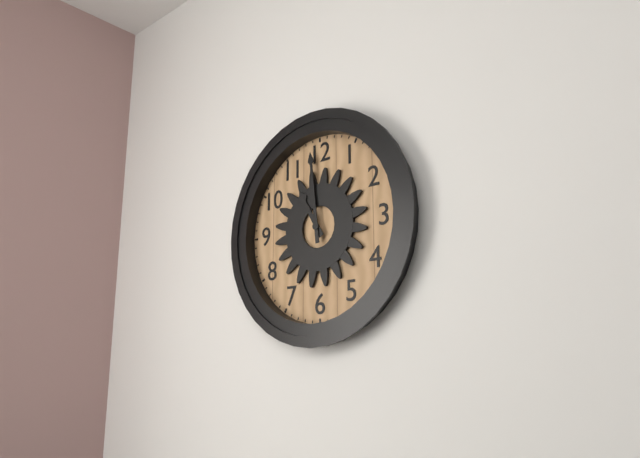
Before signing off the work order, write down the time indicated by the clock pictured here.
10:59
